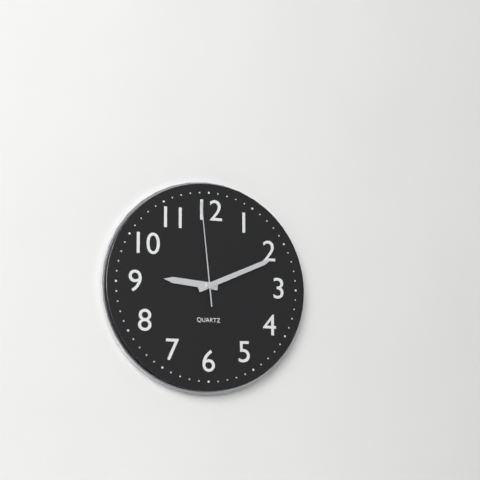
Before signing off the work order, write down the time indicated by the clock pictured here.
9:11:59
